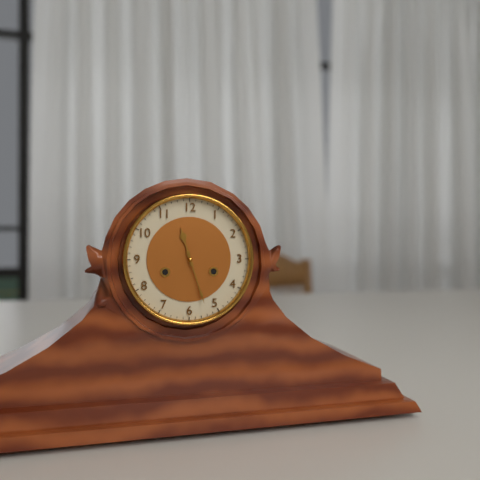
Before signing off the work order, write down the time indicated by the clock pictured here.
11:27
